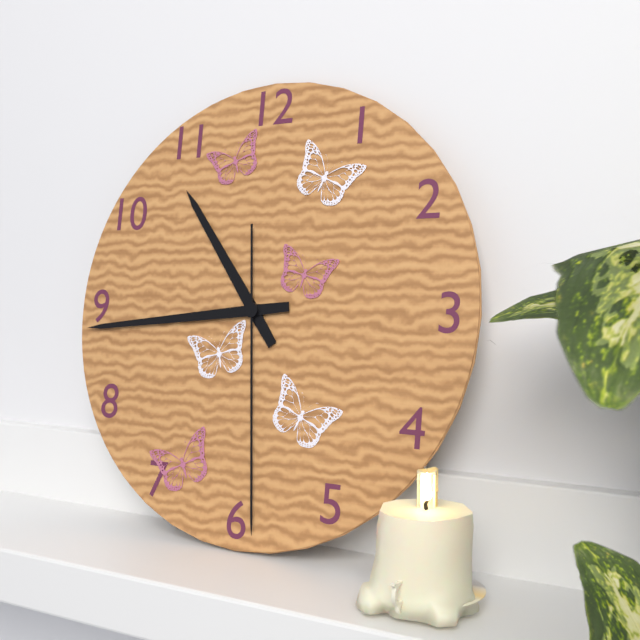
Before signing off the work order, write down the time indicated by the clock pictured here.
10:44:29
